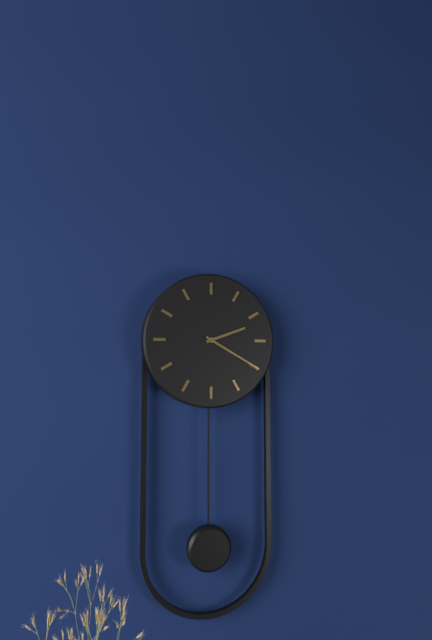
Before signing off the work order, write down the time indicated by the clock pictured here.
2:20
